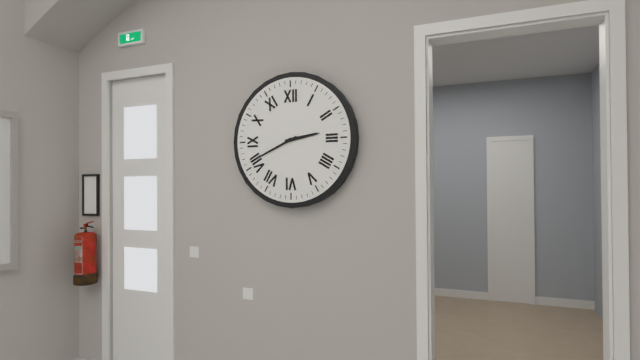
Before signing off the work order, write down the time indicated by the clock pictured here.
2:41
